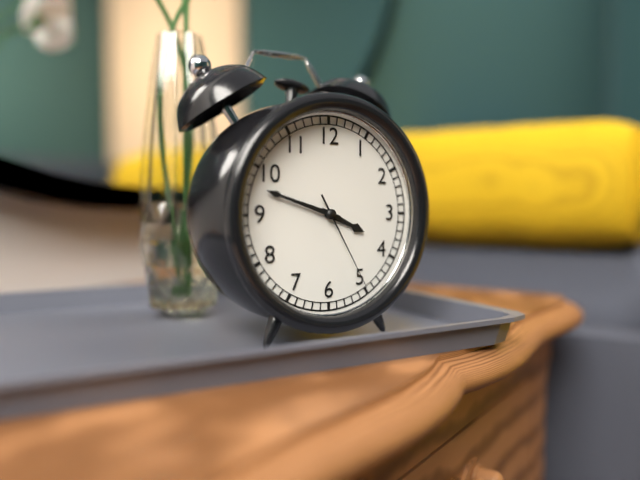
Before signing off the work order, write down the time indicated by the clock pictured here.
3:48:25
